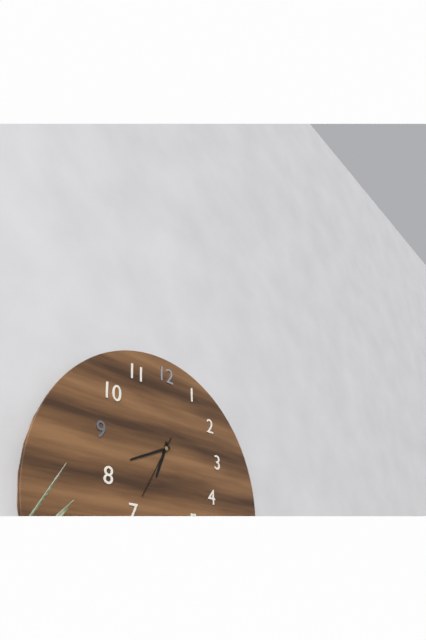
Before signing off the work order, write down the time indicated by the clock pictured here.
6:41:35
